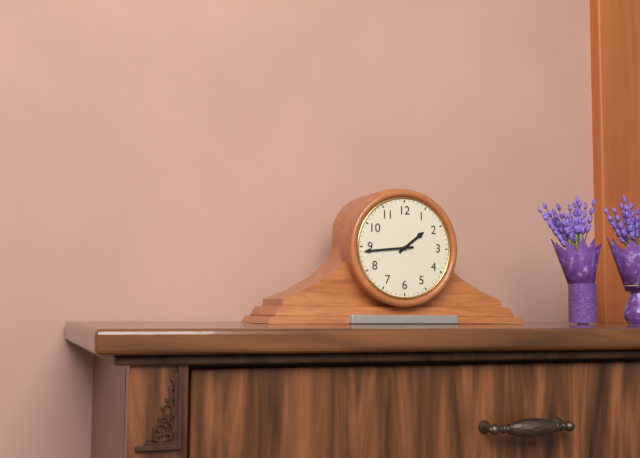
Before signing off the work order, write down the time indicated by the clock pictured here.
1:44
